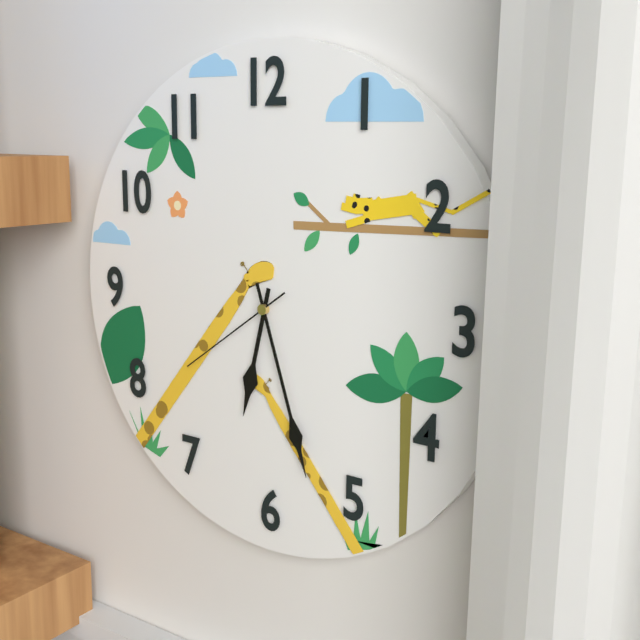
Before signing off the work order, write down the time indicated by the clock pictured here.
6:27:39
